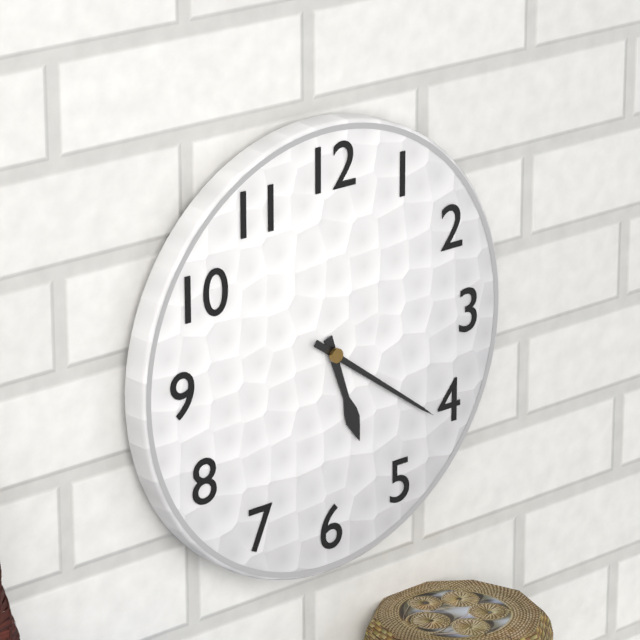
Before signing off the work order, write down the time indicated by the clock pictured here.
5:21
